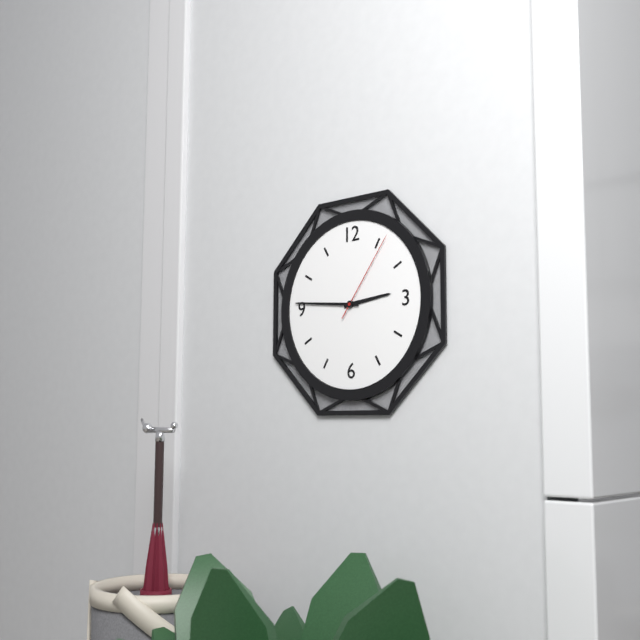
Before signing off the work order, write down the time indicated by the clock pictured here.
2:46:06
